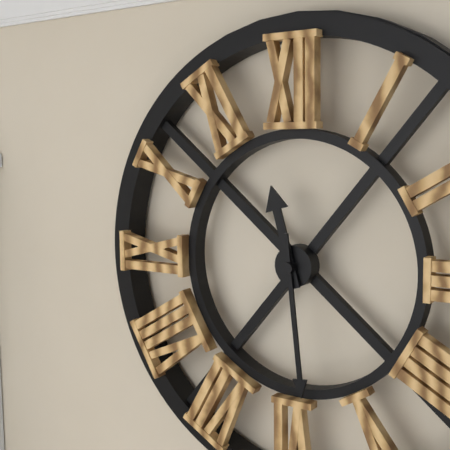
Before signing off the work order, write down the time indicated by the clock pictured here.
11:29
